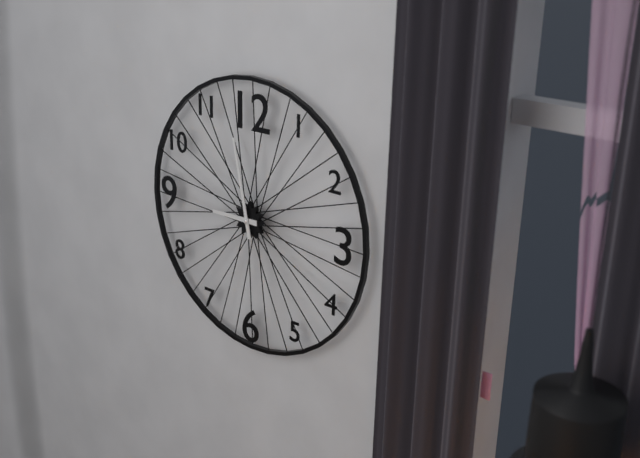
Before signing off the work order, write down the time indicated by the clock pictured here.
8:58
